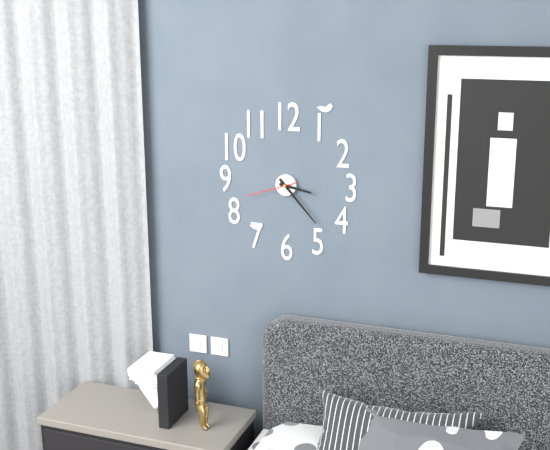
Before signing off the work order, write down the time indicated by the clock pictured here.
3:23:42
